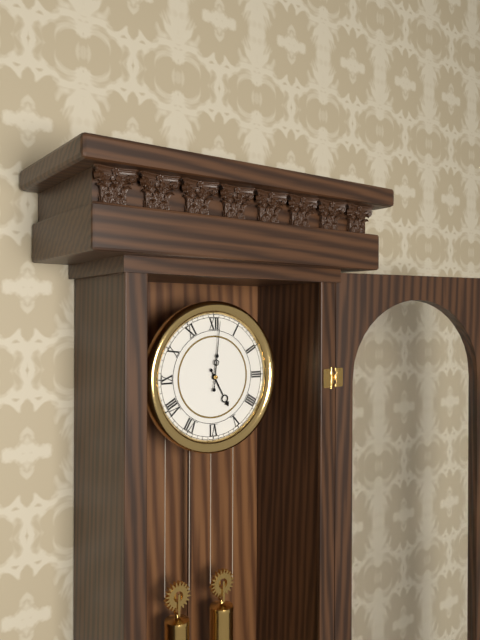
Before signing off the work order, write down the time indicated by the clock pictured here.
5:01
